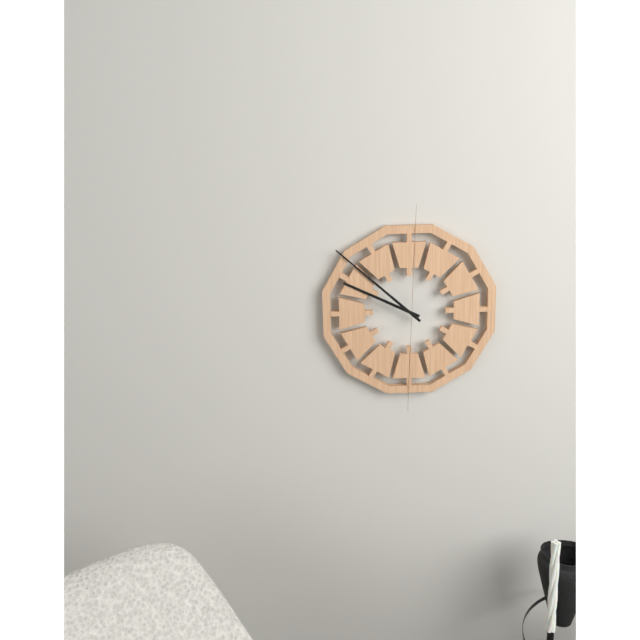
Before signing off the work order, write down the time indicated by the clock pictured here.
9:52
